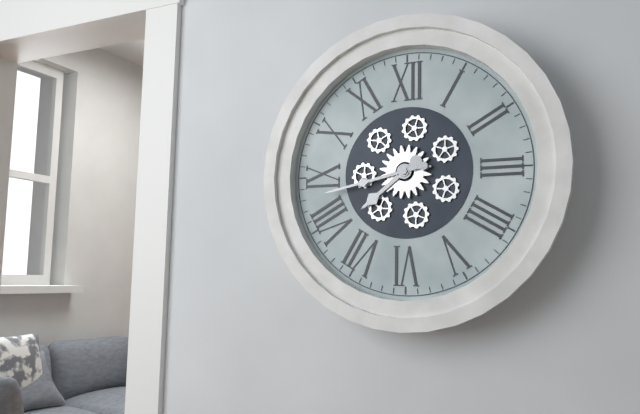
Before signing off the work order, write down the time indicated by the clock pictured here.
7:43
